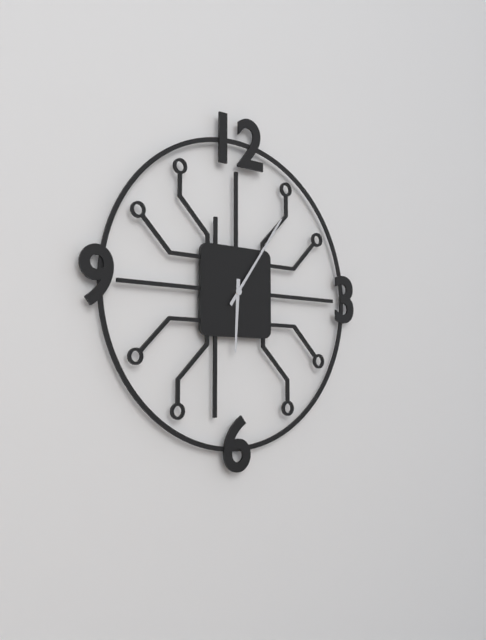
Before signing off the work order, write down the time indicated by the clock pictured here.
6:06
